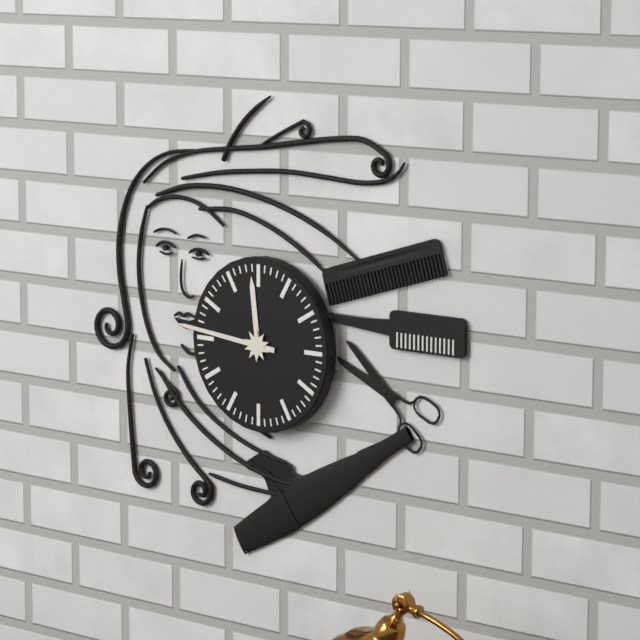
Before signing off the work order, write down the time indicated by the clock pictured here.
11:46
